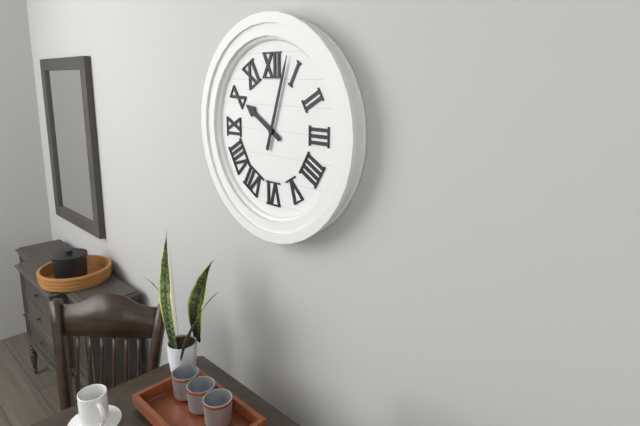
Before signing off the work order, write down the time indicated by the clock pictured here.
10:03
